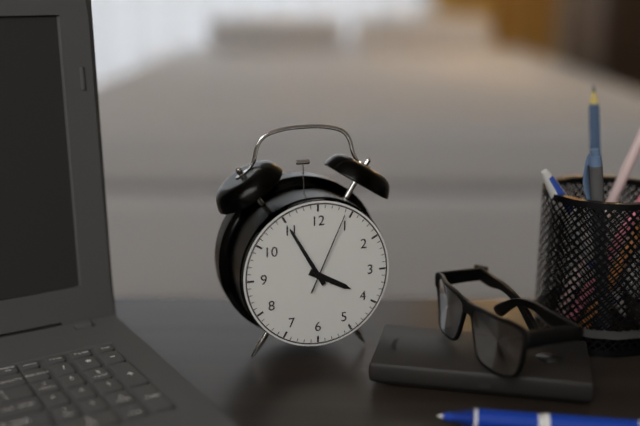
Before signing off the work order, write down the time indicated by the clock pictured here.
3:55:04
